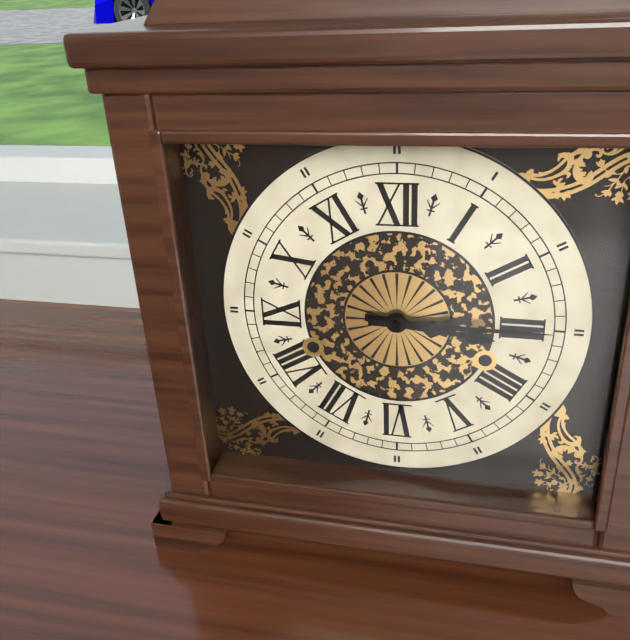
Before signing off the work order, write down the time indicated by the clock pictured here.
3:15
